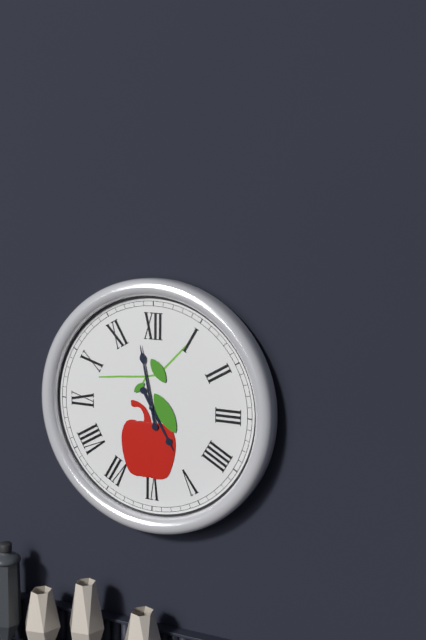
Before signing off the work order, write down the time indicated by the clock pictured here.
4:58
